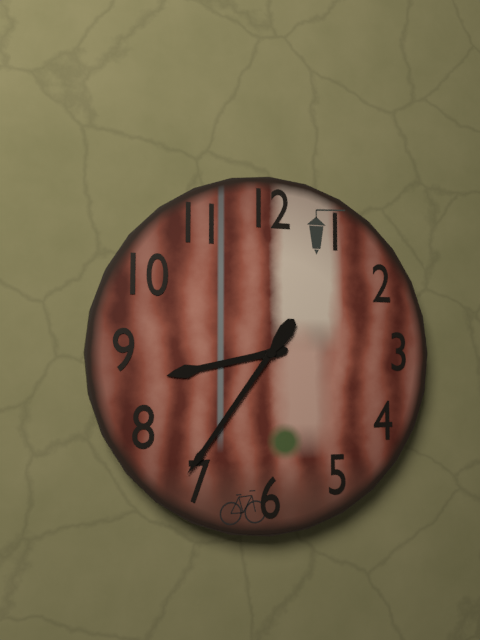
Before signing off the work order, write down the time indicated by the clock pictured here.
8:36
